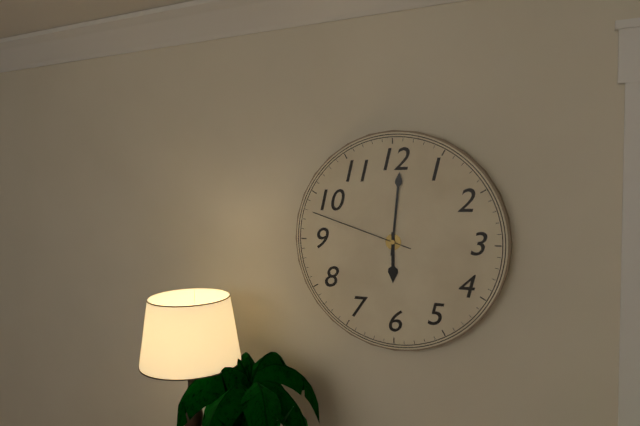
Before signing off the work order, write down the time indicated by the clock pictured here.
6:01:48
